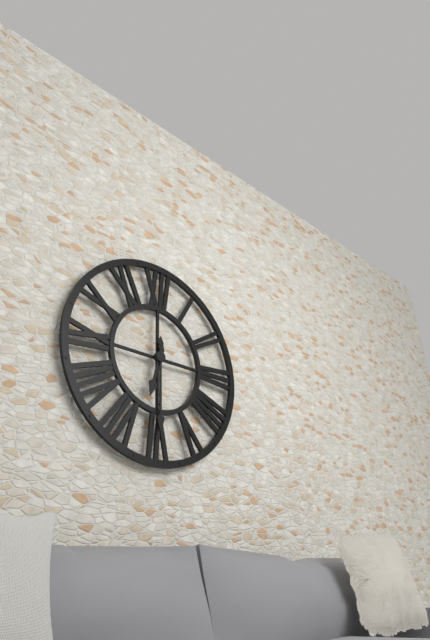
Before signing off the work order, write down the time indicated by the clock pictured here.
6:30
